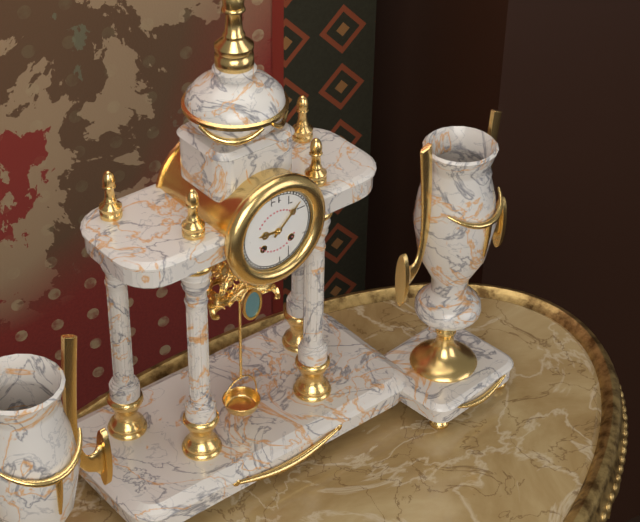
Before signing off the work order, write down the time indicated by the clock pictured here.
9:08
